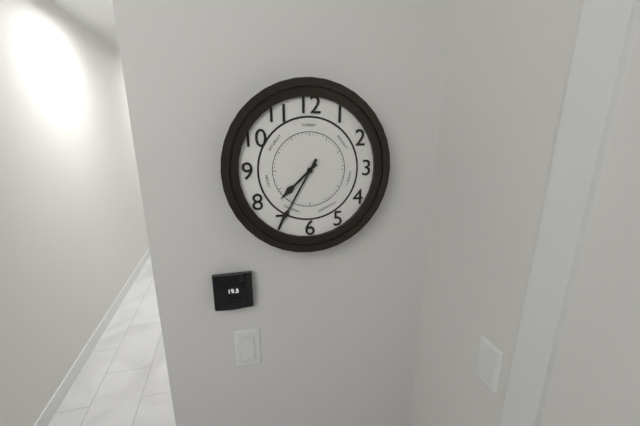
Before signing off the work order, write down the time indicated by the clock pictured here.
7:35
